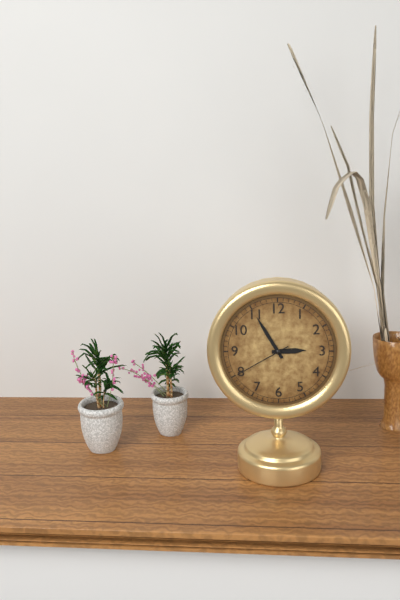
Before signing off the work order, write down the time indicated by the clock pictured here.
2:55:40
